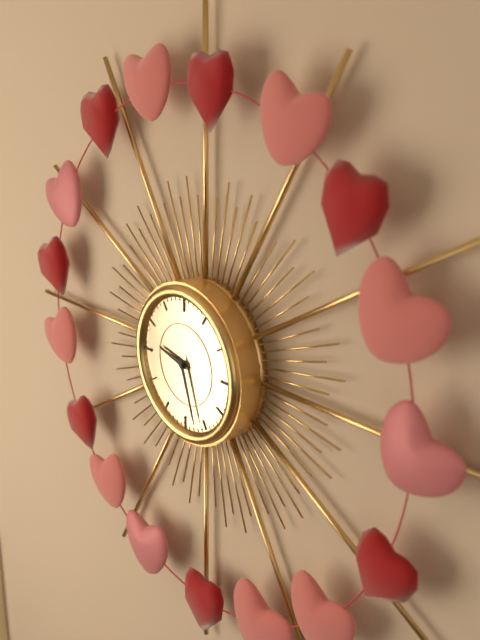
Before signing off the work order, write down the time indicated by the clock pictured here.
9:27
